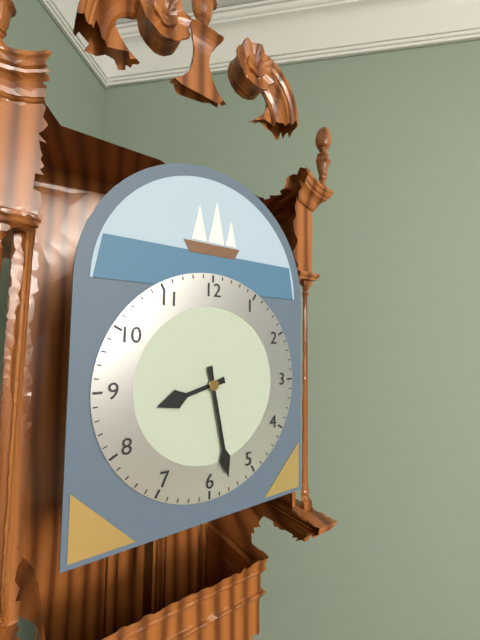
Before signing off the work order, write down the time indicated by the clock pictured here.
8:28
